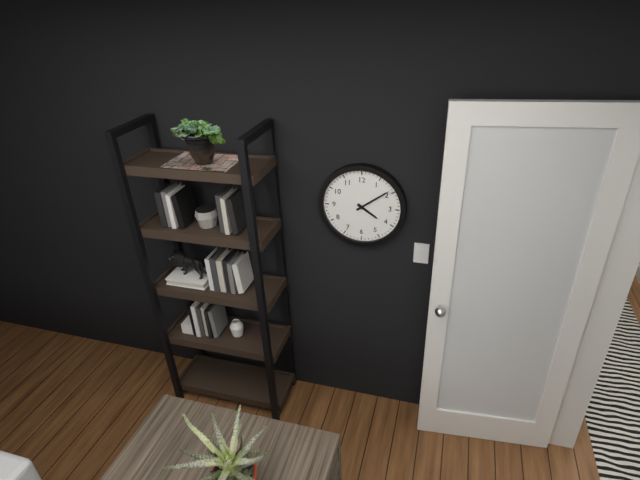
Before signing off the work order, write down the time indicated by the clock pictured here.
4:09
